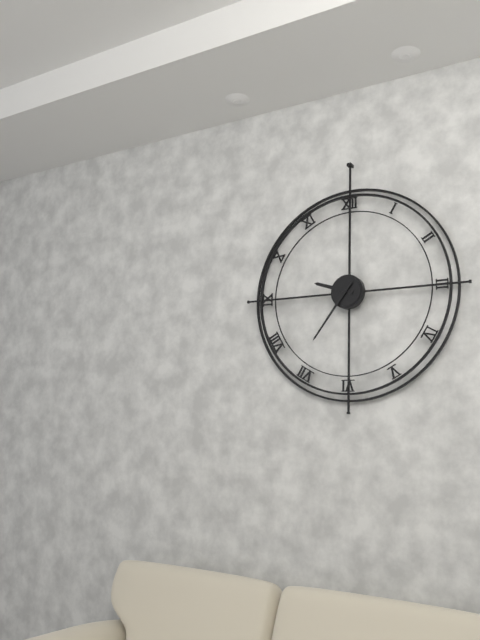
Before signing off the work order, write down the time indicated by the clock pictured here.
9:36
